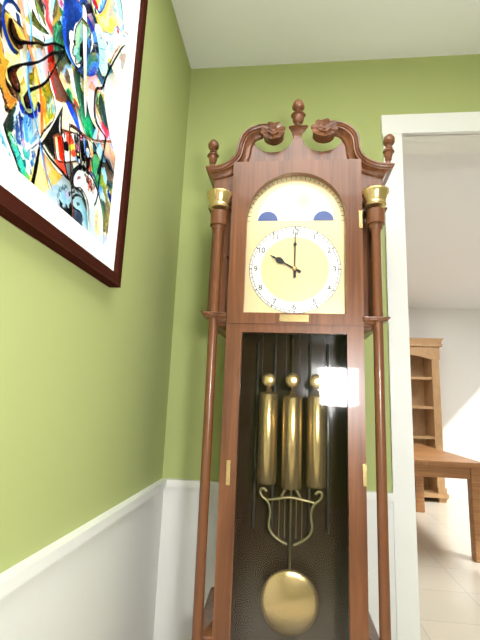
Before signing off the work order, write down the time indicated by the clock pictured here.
10:00
